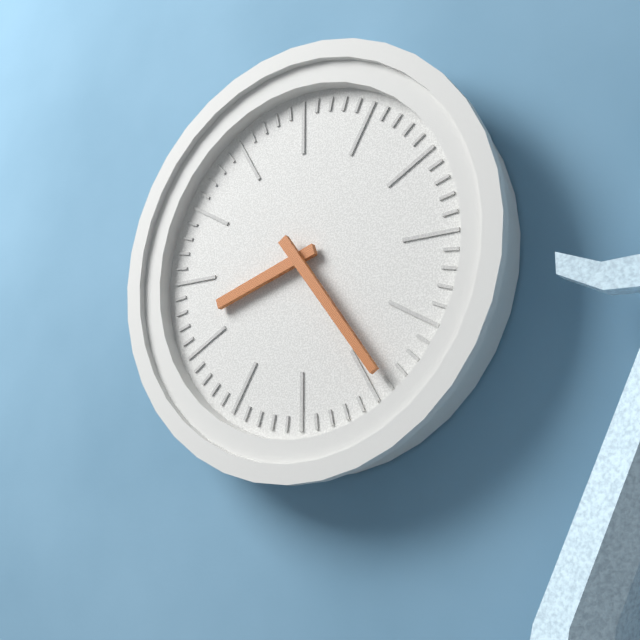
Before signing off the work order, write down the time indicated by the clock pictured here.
8:24
